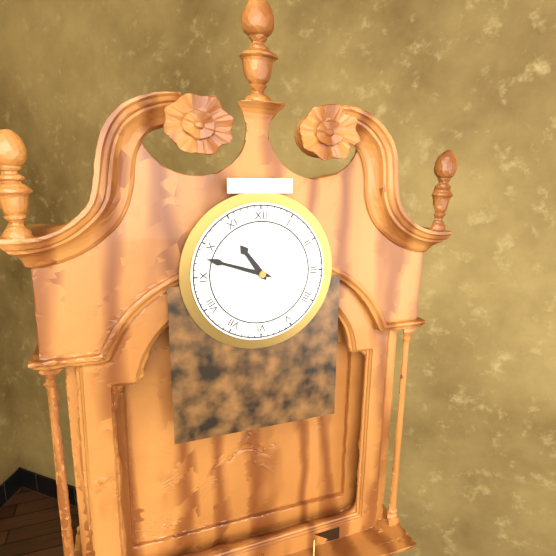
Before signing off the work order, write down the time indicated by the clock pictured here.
10:48
